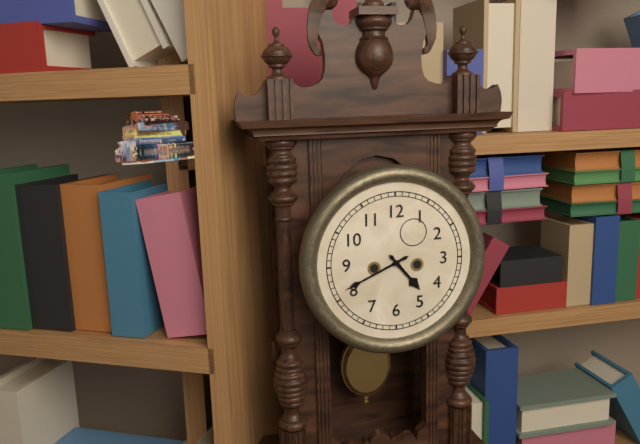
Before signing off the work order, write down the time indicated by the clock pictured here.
4:41
